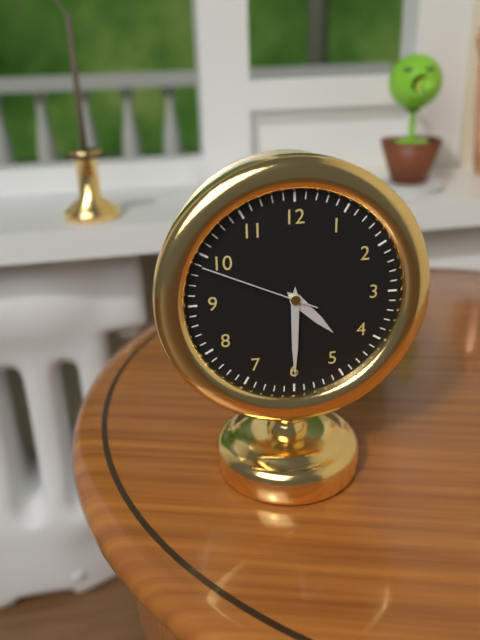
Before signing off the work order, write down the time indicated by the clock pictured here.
4:30:49
